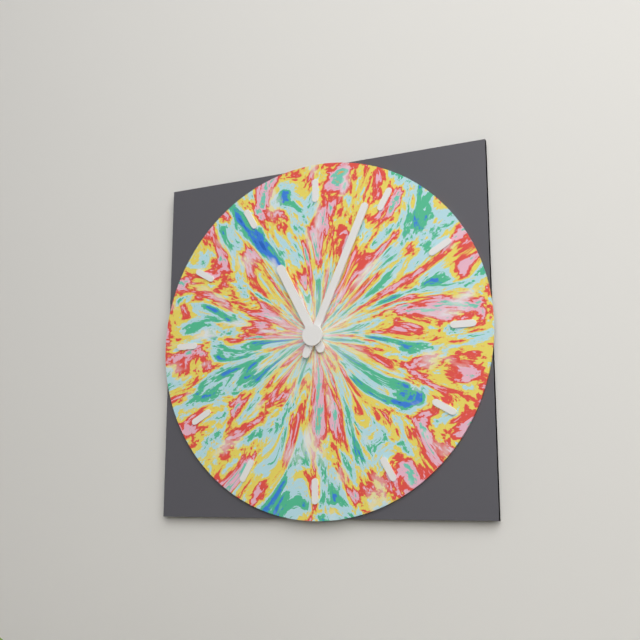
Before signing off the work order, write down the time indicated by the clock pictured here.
11:04
